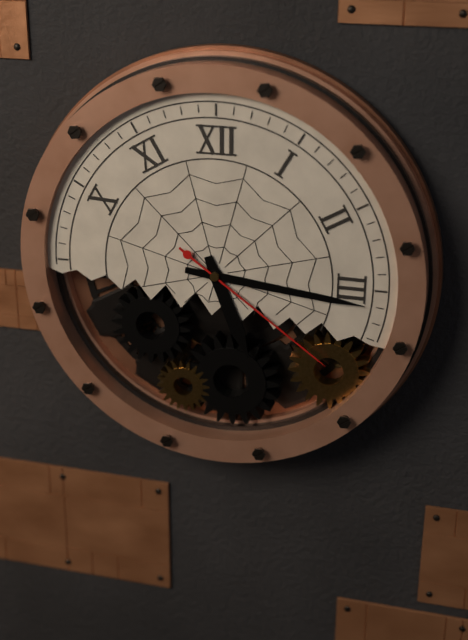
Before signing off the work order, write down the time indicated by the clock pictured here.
5:16:21
